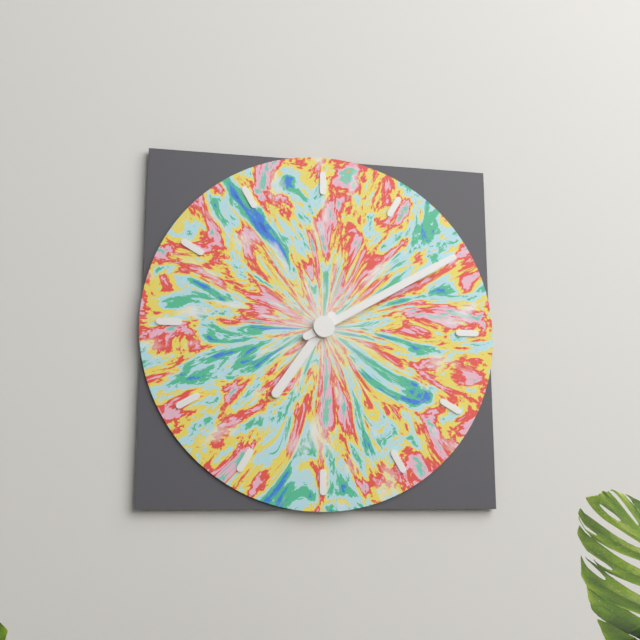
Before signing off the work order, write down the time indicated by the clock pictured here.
7:10
